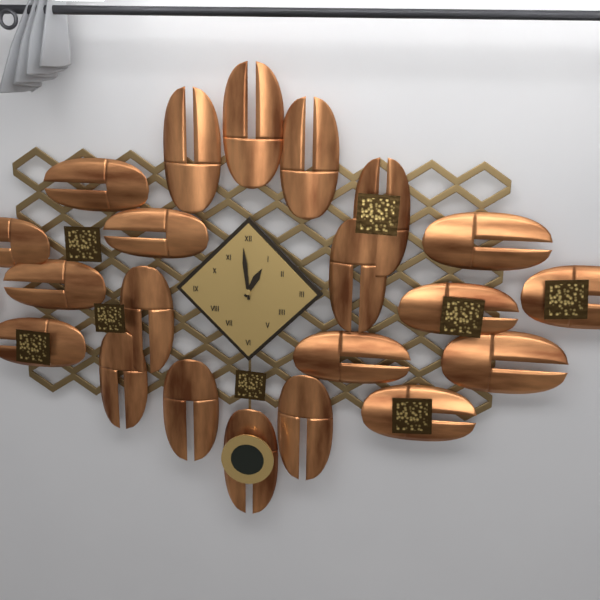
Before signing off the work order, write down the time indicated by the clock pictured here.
12:59
